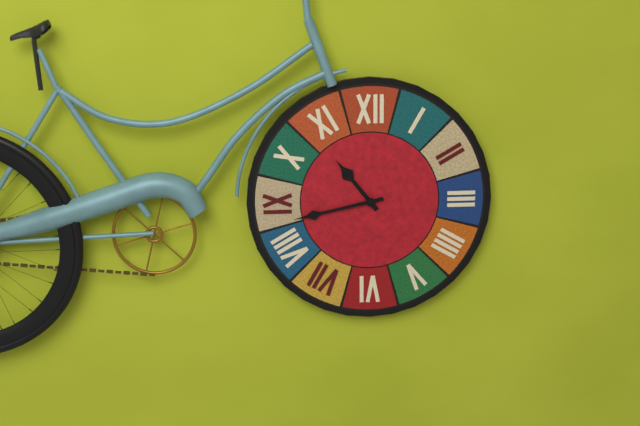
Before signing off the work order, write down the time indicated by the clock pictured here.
10:43
